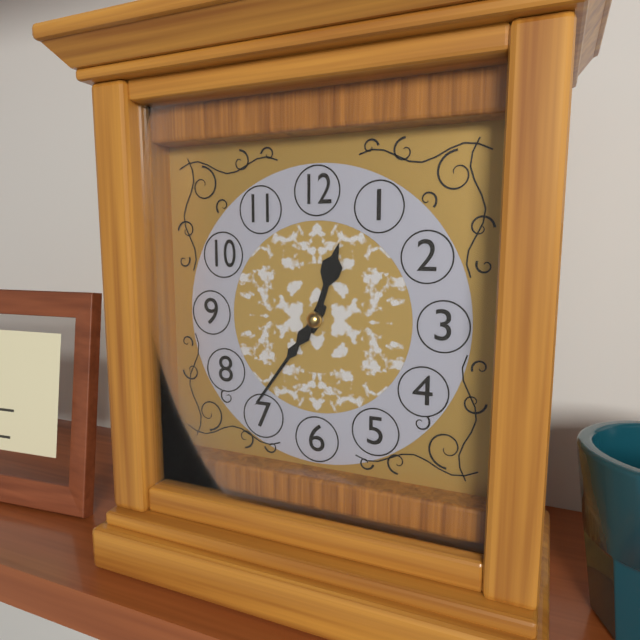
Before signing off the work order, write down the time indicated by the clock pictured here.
12:36
